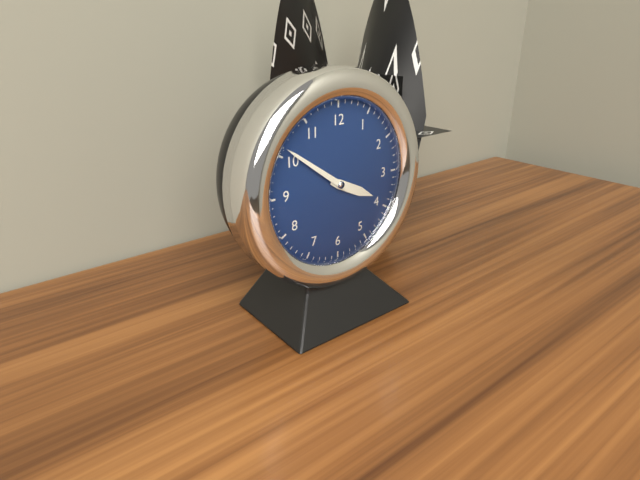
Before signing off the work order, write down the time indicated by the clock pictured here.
3:51
